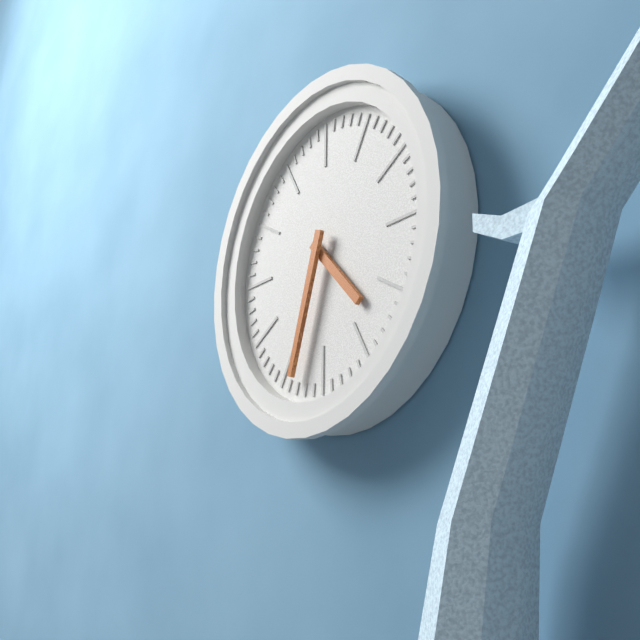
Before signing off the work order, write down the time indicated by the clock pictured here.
4:33
